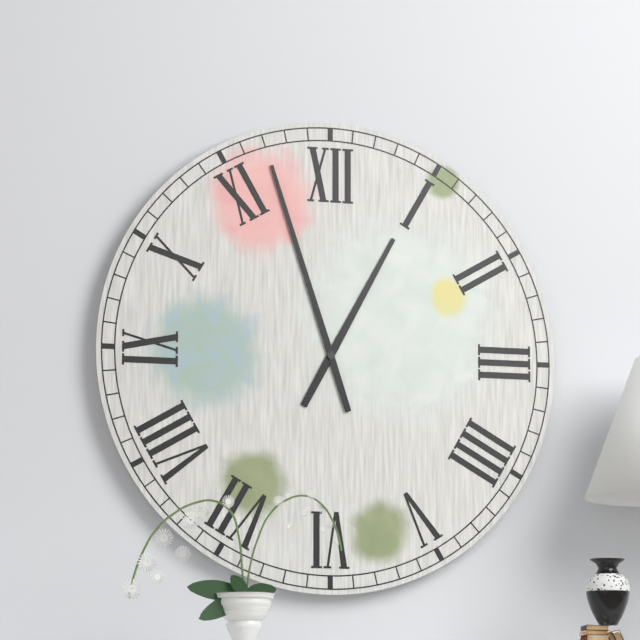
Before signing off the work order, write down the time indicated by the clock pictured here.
12:57
